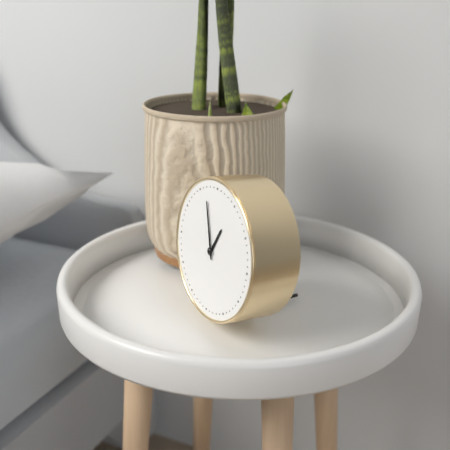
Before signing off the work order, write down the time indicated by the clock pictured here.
12:57
